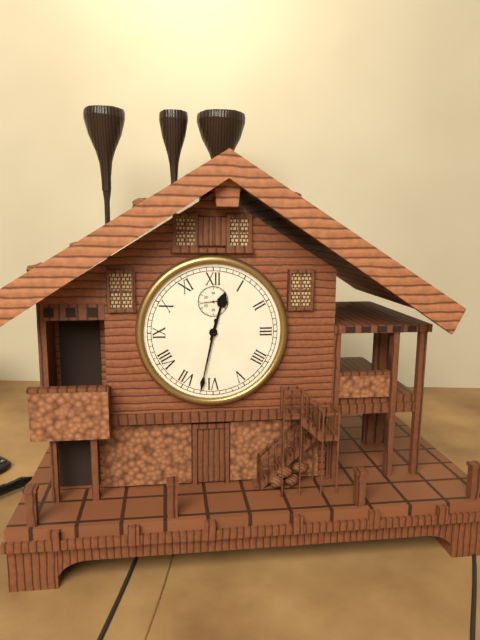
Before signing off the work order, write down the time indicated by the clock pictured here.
12:32
